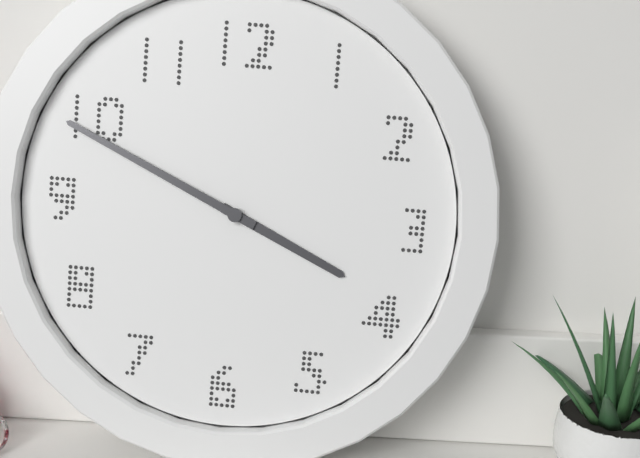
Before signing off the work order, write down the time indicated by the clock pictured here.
3:49
